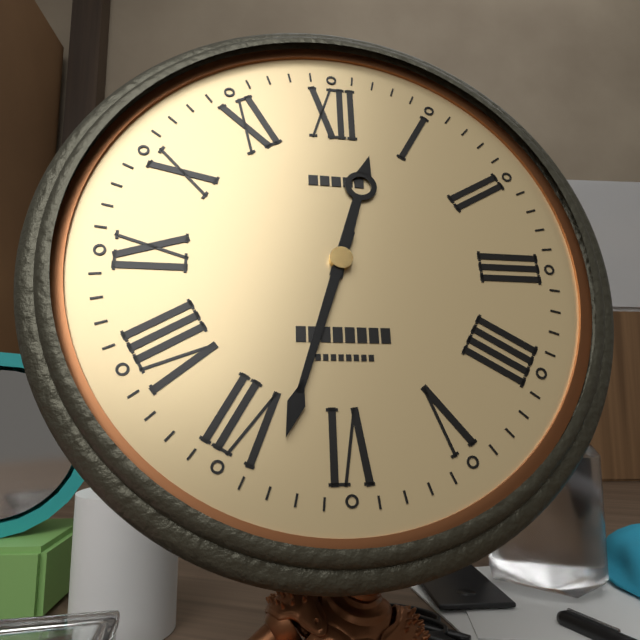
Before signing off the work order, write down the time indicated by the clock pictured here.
12:33
